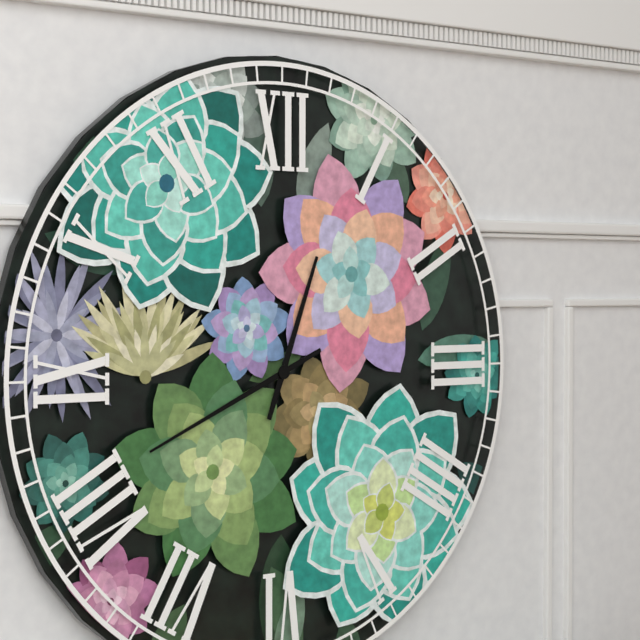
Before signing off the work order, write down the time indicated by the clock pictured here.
12:41
